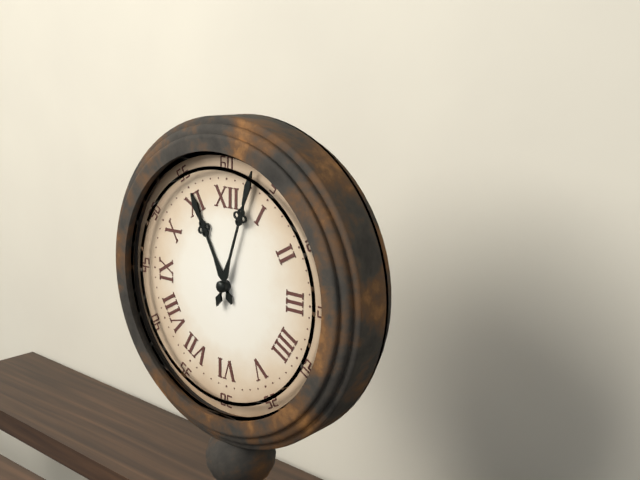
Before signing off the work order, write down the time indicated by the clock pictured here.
11:03
